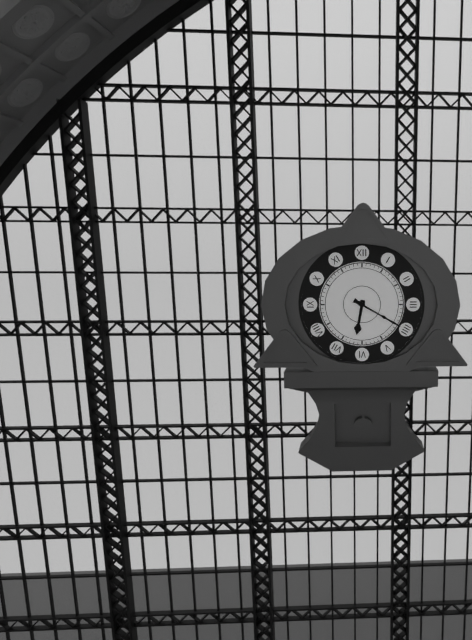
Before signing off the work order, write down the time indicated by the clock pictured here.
6:20
